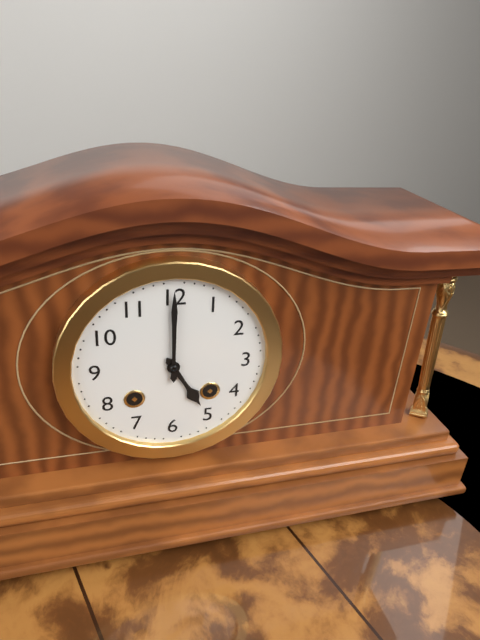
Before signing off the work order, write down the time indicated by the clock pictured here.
5:00
